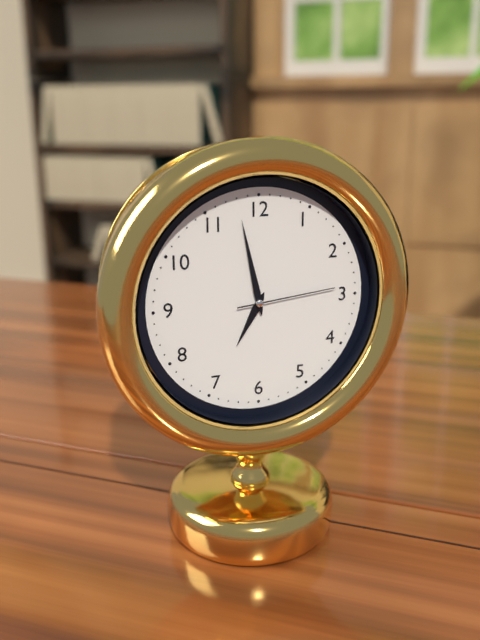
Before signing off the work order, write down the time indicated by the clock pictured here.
6:58:14
